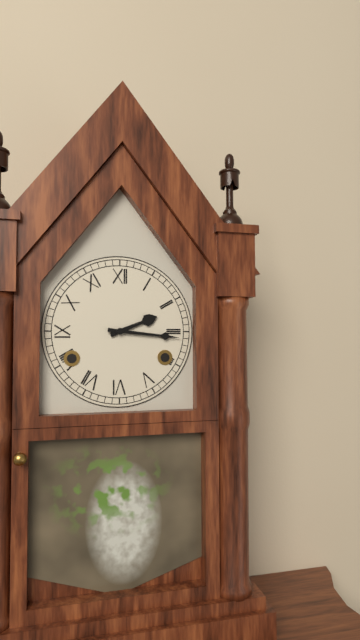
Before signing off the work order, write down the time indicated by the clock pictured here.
2:16
